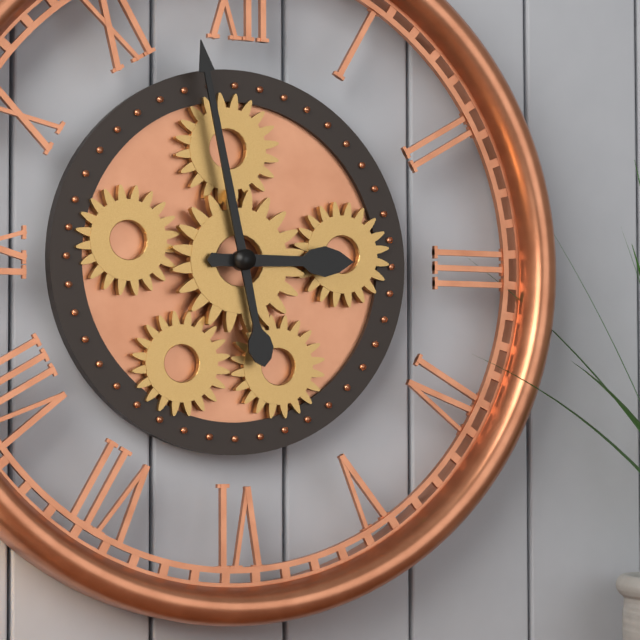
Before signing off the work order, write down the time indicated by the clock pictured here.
2:58
